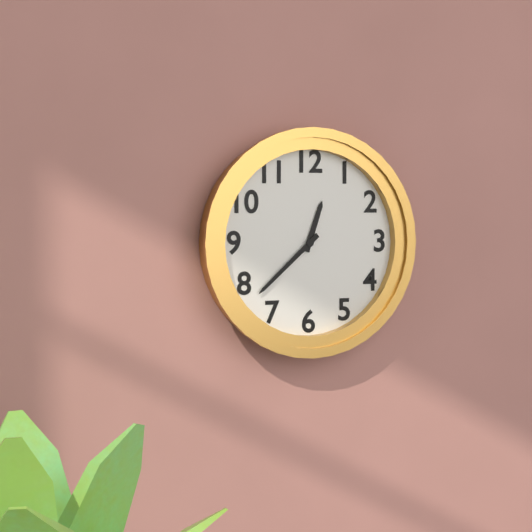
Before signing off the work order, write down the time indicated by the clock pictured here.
12:38
